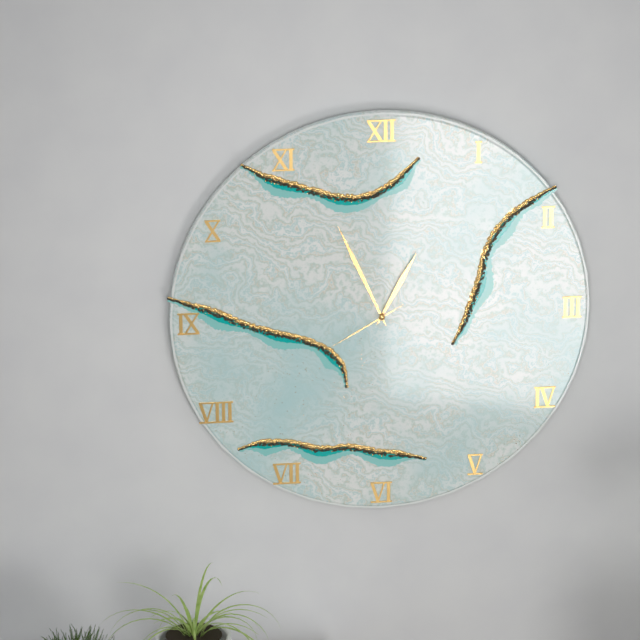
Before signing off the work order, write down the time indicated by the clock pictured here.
12:56:40
